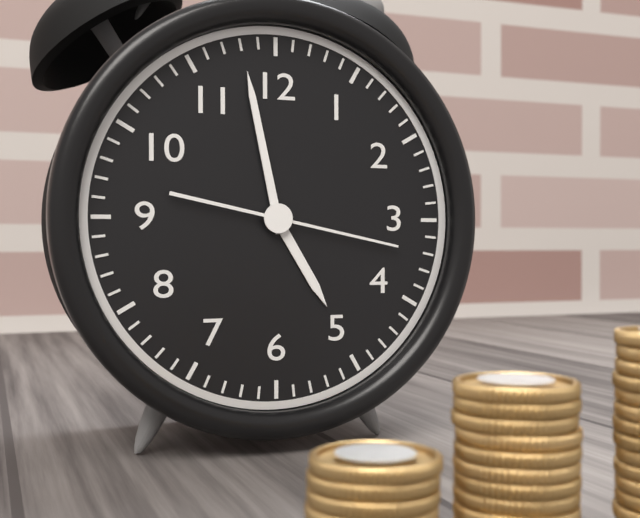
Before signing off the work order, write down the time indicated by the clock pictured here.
4:58:17
